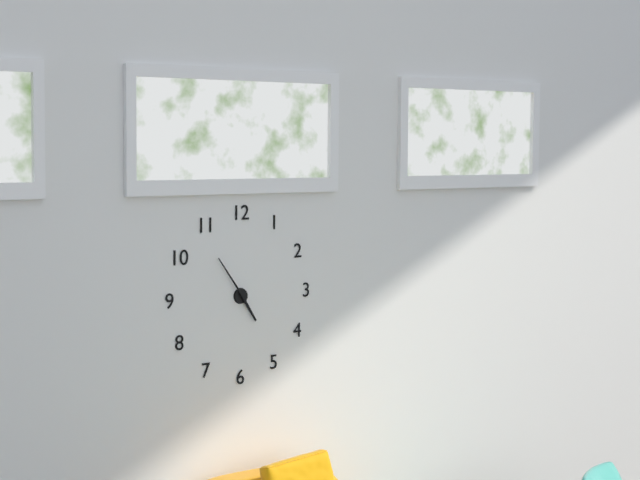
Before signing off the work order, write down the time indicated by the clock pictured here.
4:54
